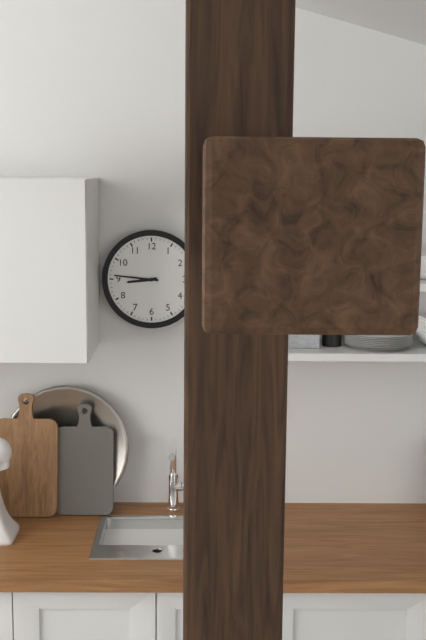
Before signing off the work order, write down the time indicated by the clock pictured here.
8:46
